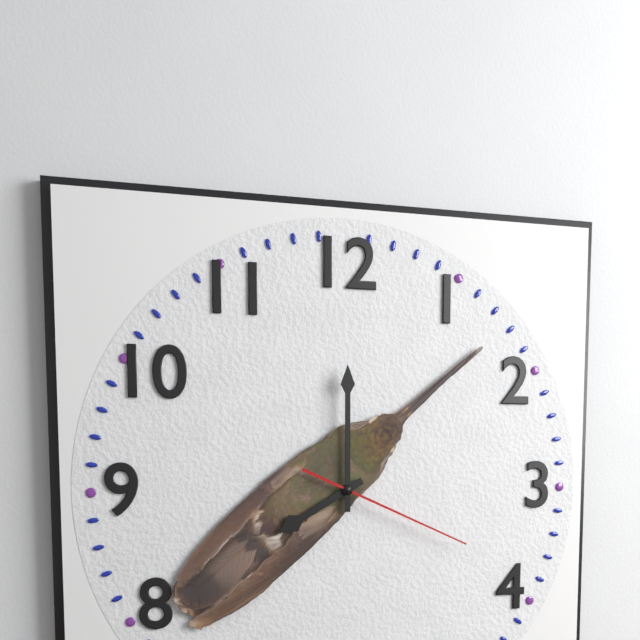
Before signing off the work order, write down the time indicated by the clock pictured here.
8:00:19
